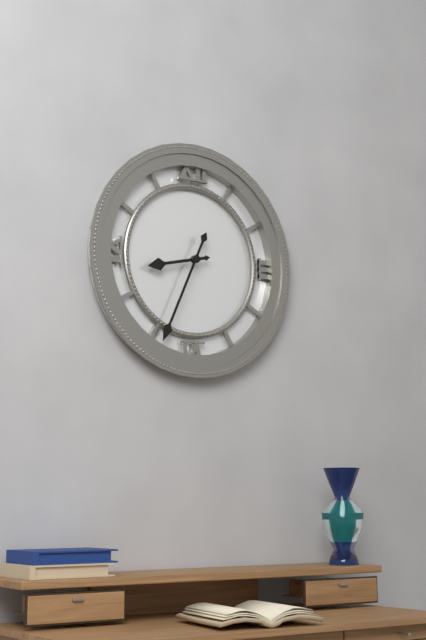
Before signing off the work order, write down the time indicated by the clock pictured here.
8:34
